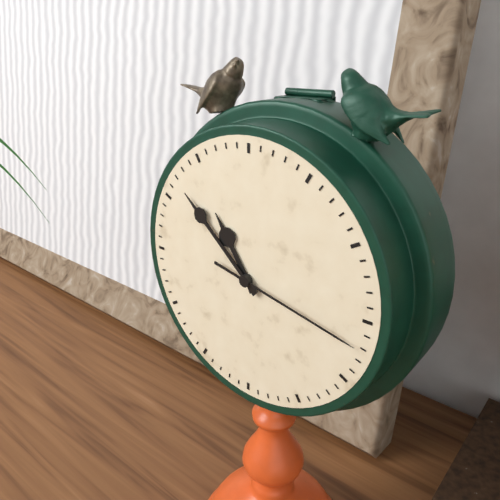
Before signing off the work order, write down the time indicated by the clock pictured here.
10:52:17
